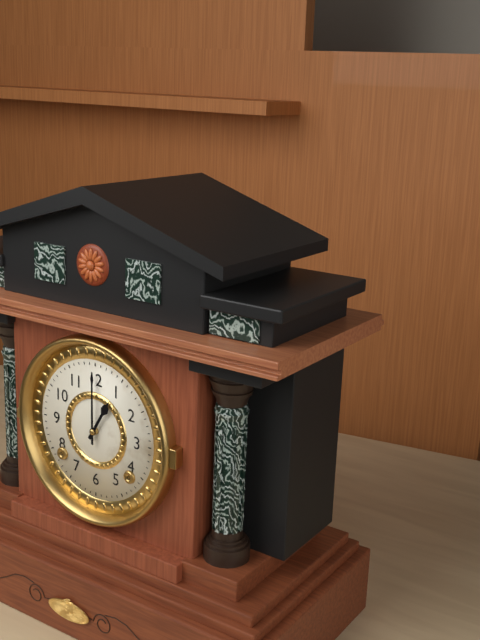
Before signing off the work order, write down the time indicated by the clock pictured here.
1:00
